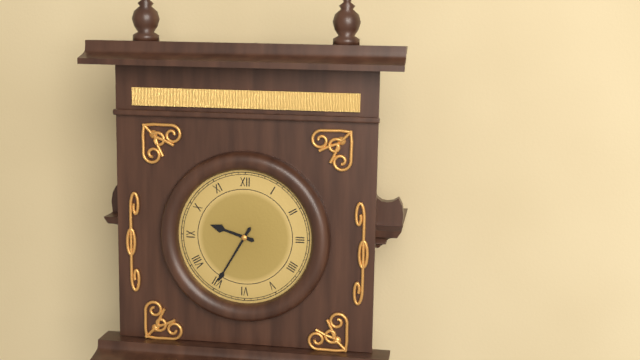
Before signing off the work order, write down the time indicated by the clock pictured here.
9:35
